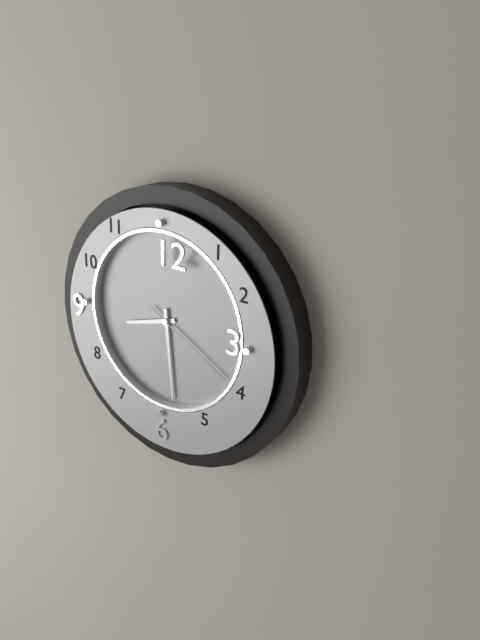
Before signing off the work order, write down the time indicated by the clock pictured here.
8:29:20
